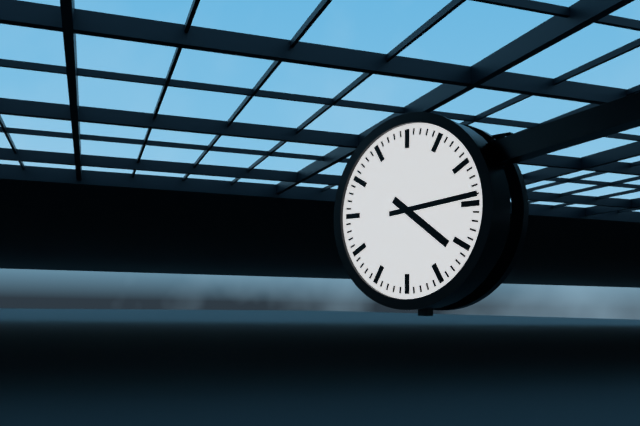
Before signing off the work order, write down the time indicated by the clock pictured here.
4:14
